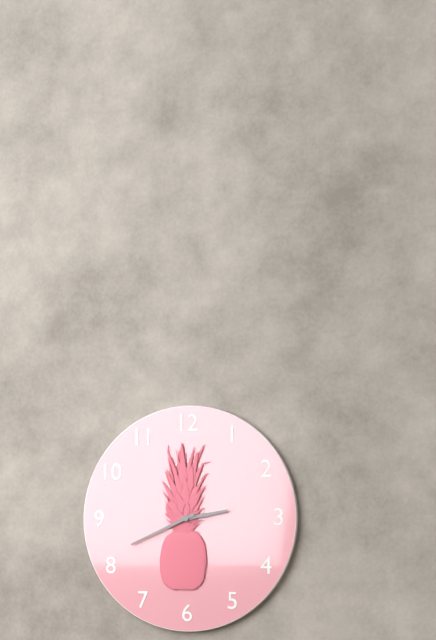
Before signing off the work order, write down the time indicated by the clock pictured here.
2:41
